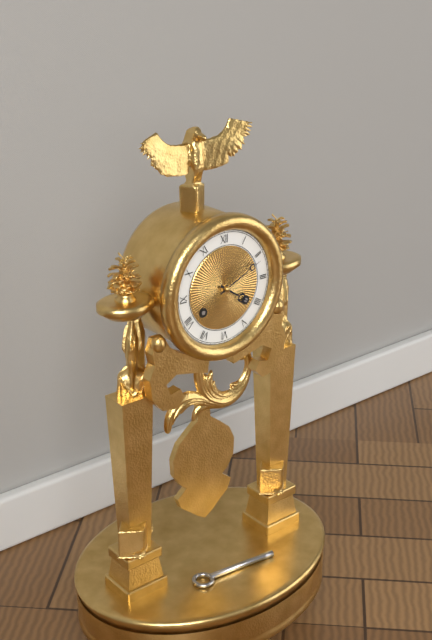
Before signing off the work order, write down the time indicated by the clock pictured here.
4:11
